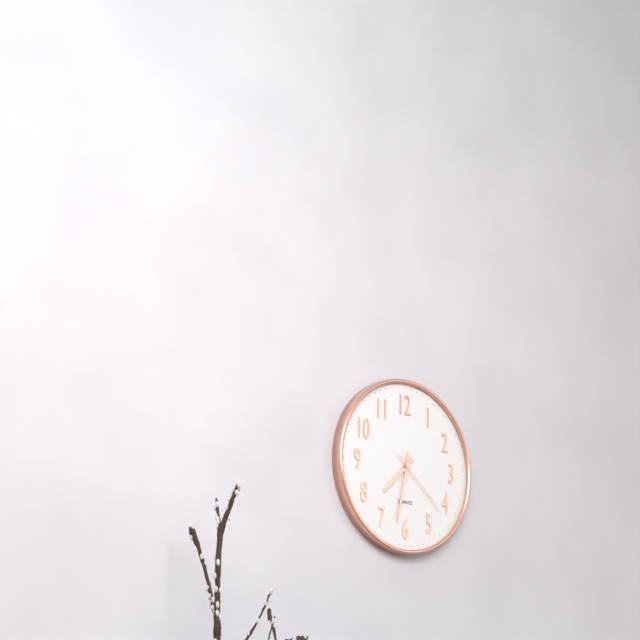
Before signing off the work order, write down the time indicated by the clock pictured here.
7:32:22
